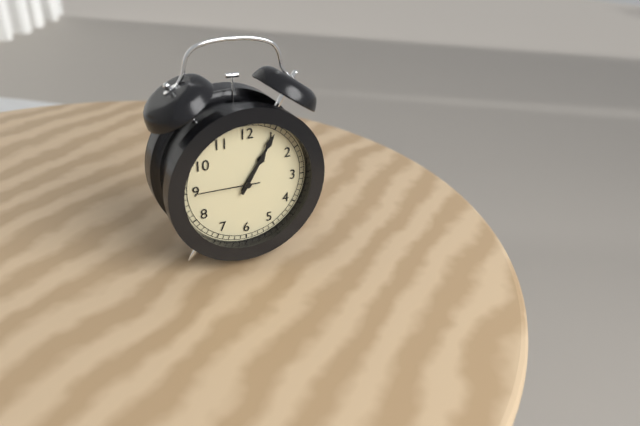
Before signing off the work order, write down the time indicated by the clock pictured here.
1:05:45
